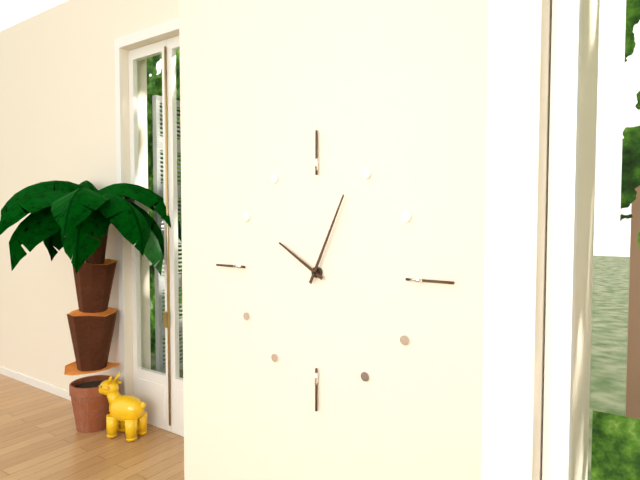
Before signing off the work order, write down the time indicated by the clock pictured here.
10:04
